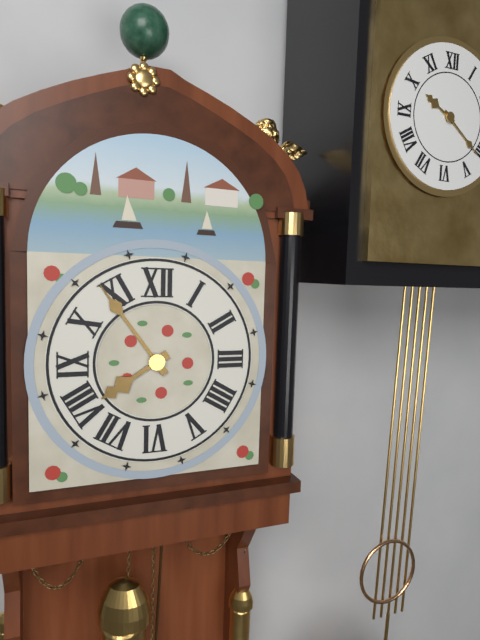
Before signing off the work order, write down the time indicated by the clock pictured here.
7:54
